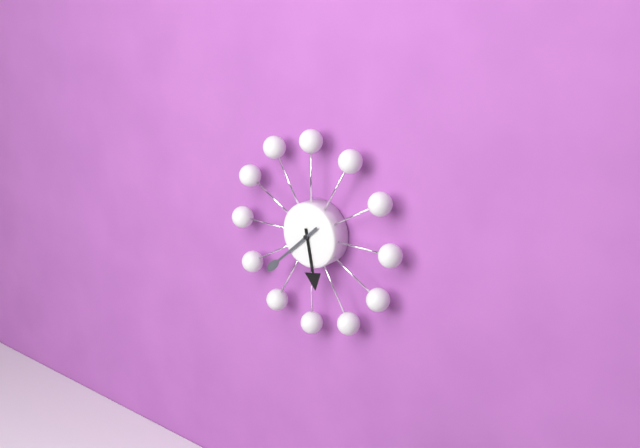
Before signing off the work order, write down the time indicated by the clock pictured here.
5:38
